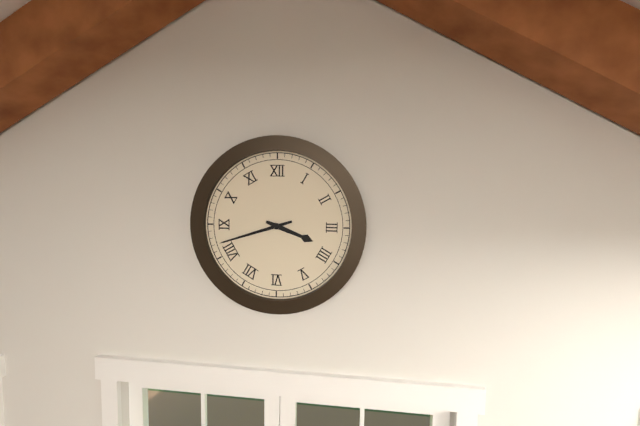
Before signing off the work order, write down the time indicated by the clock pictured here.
3:42
